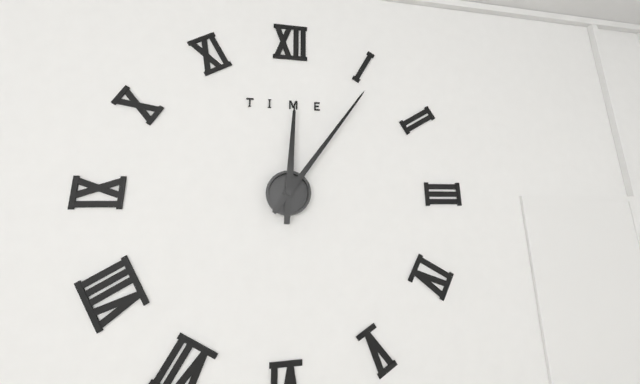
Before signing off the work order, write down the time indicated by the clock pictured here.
12:06
